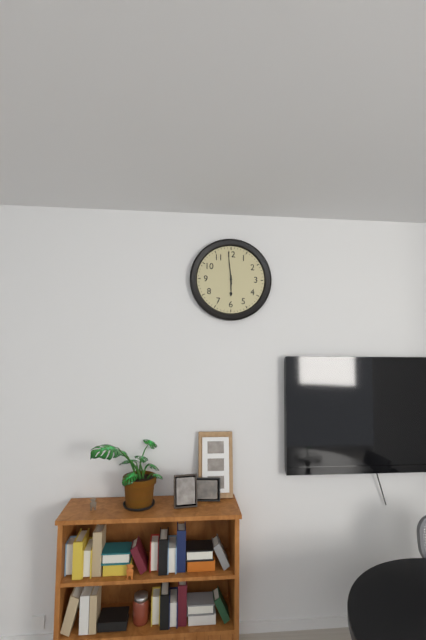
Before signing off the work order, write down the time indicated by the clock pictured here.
5:59
